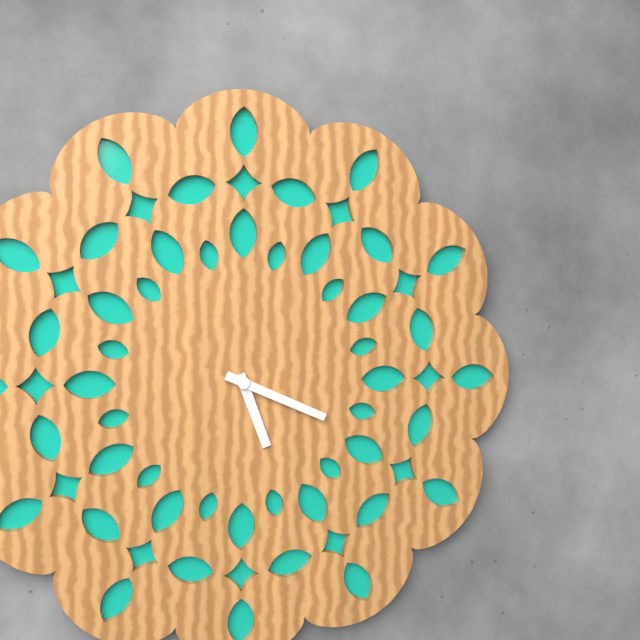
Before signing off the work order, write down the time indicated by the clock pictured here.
5:19
